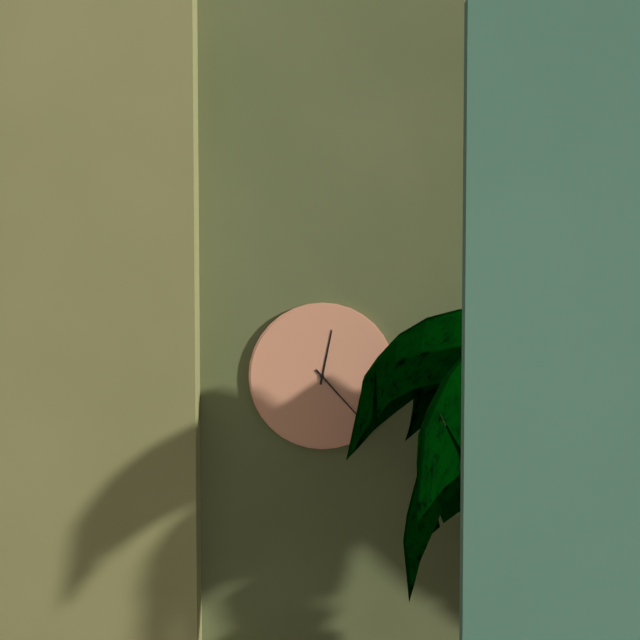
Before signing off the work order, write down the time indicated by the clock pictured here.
12:23
